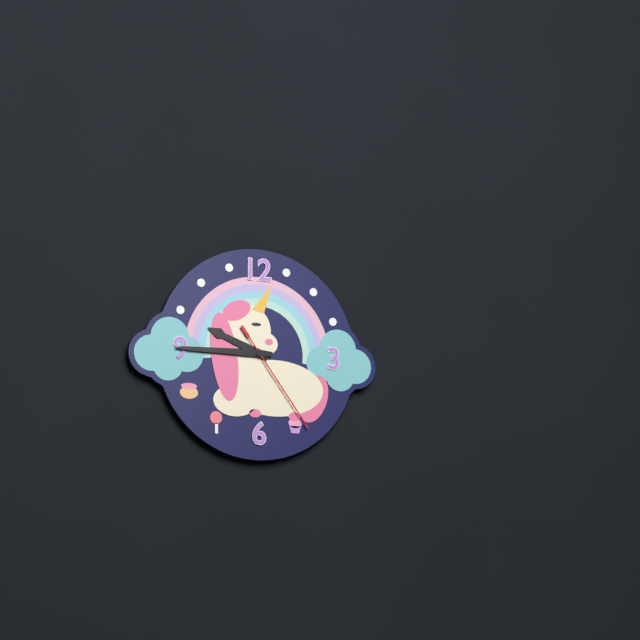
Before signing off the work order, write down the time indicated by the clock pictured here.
9:45:24
